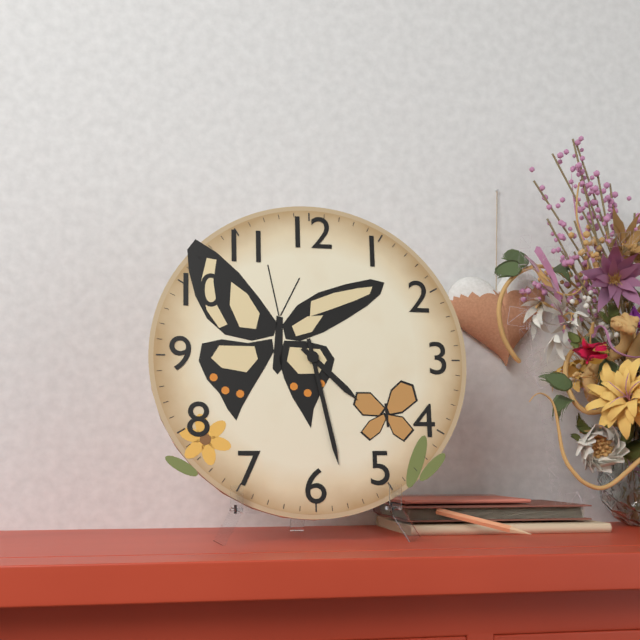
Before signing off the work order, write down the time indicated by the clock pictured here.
4:28
